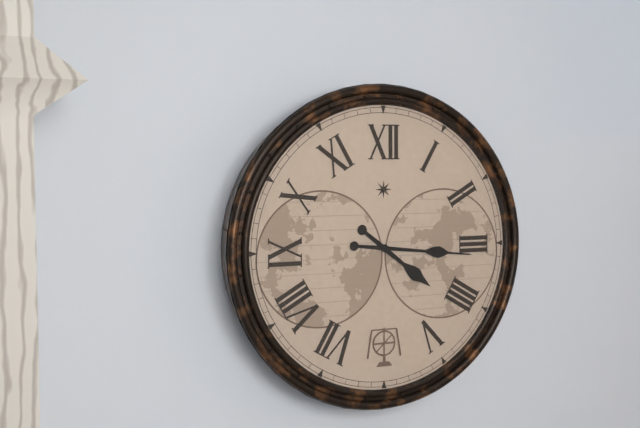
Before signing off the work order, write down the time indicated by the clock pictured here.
4:16
